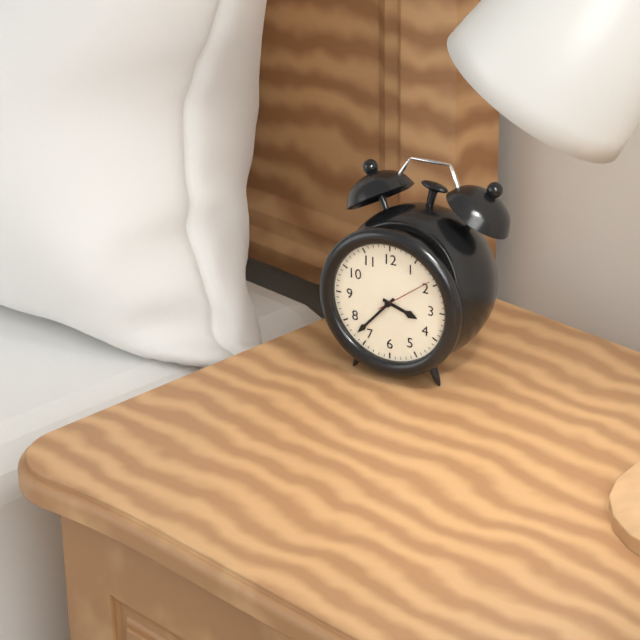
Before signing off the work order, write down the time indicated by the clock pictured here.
3:37:09
